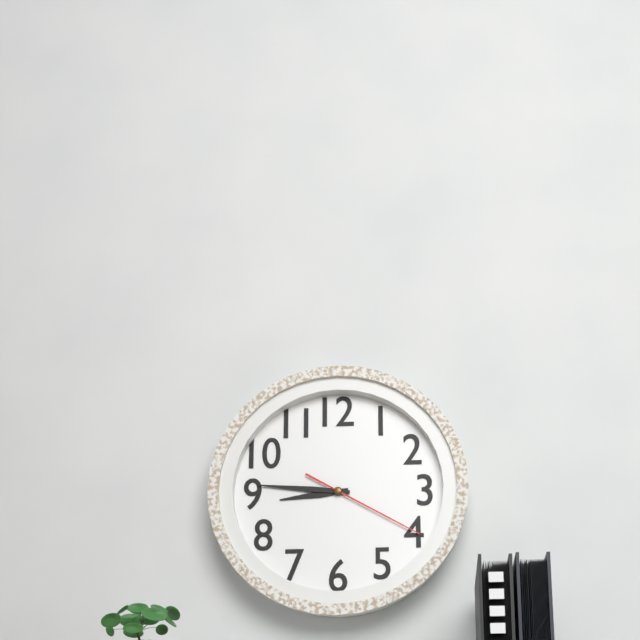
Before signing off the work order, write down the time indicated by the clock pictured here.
8:46:20
